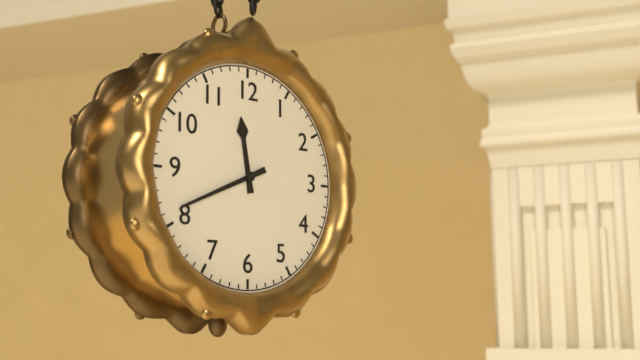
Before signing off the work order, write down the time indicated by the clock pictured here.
11:41
